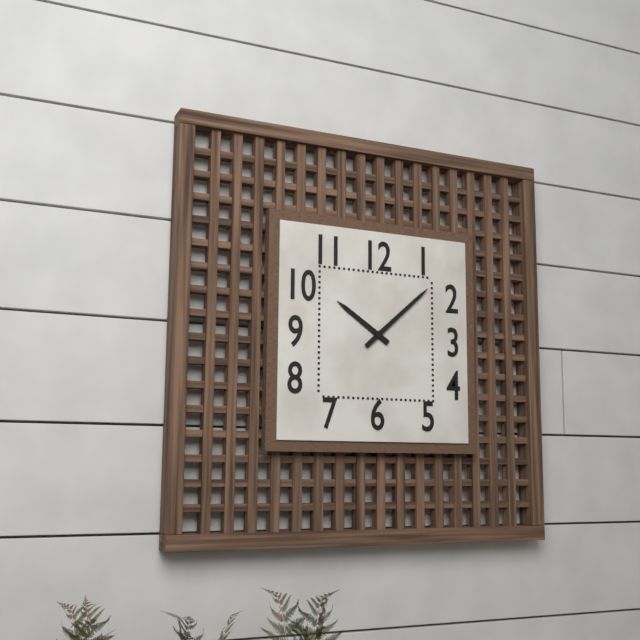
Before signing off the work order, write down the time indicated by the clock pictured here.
10:08
